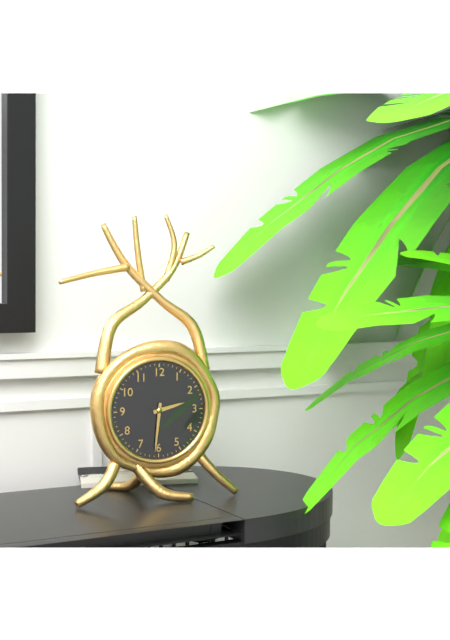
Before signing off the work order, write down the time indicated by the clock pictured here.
2:31
